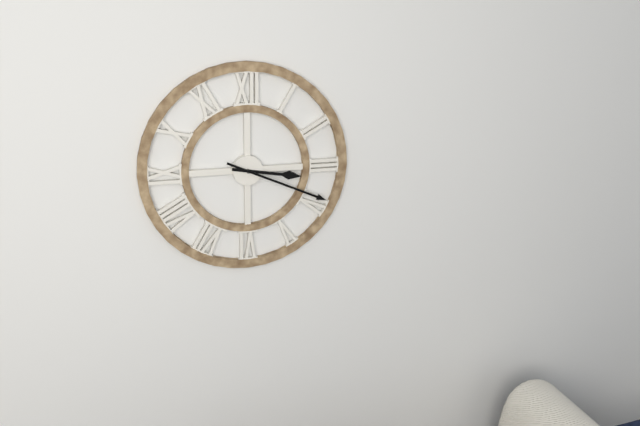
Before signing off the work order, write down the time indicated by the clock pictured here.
3:19
